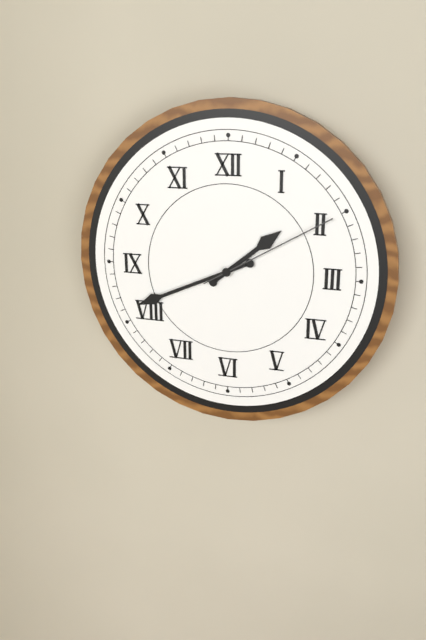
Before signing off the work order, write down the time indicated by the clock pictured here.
1:41:10
